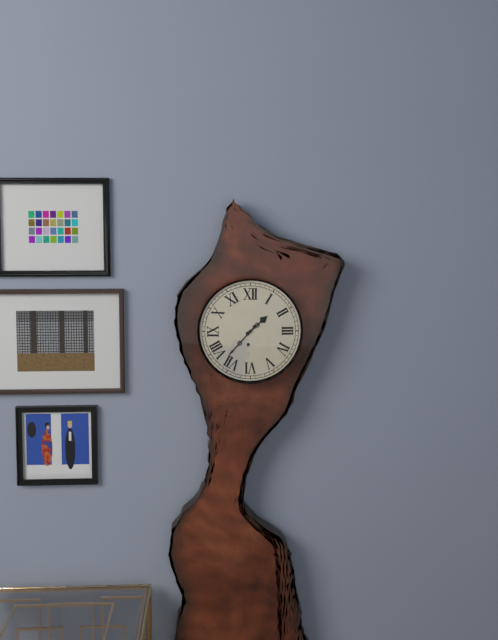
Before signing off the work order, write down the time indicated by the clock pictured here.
1:37
